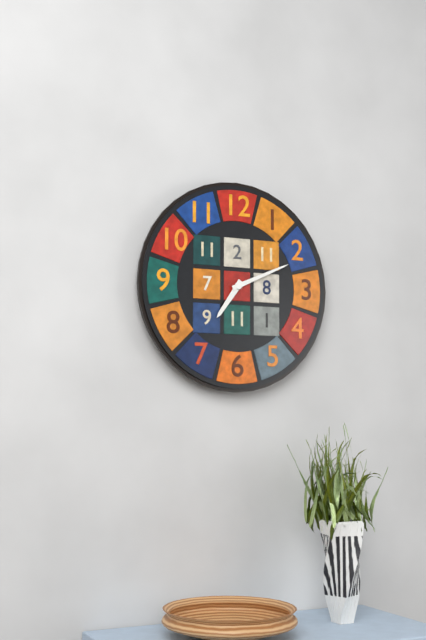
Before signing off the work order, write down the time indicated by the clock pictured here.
7:11
